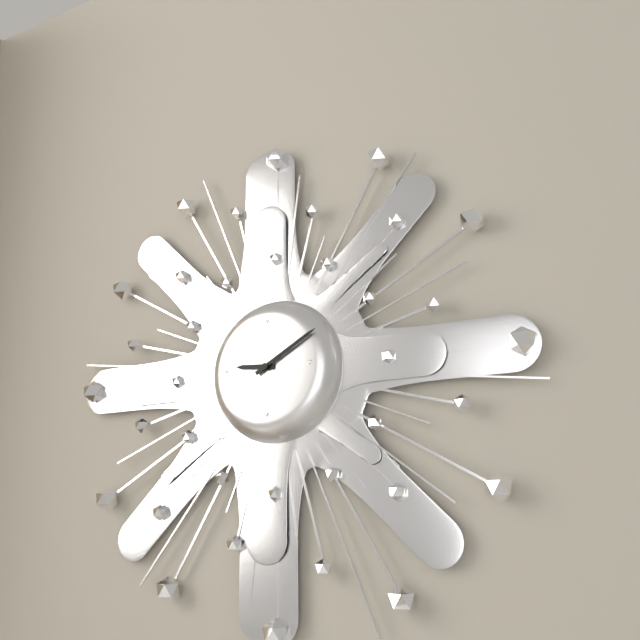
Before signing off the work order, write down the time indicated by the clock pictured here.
9:10
